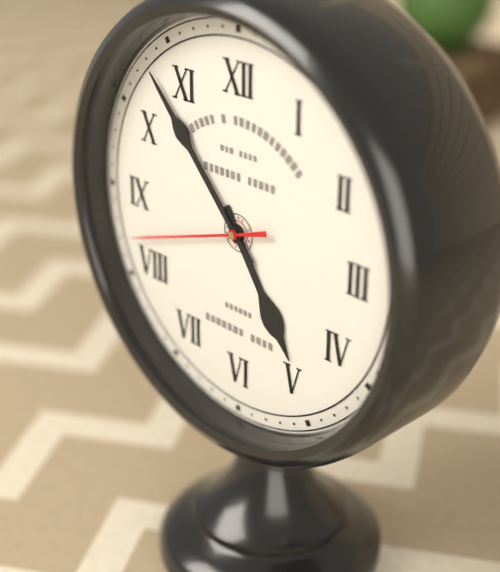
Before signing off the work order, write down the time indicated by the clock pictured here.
4:53:42
